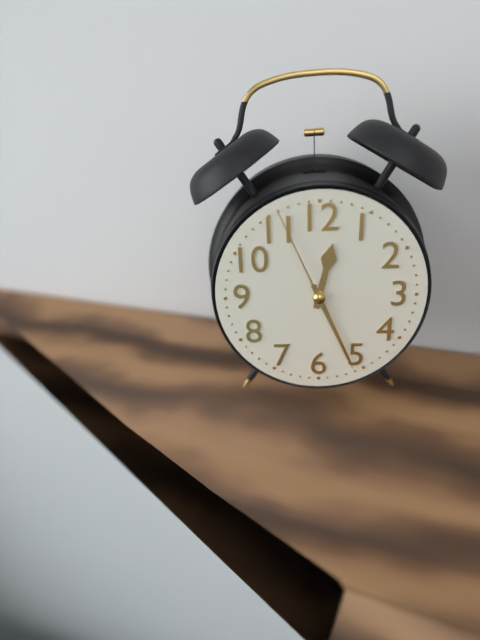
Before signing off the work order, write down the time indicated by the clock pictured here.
12:26:56
